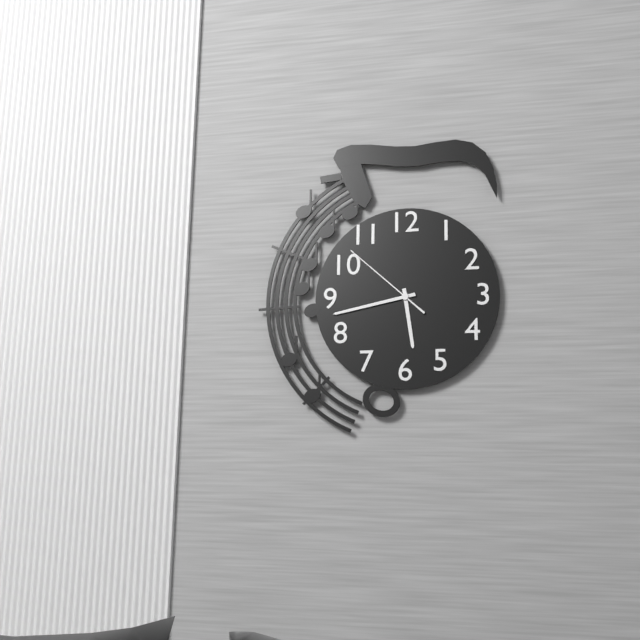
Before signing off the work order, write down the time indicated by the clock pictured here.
5:43:52
